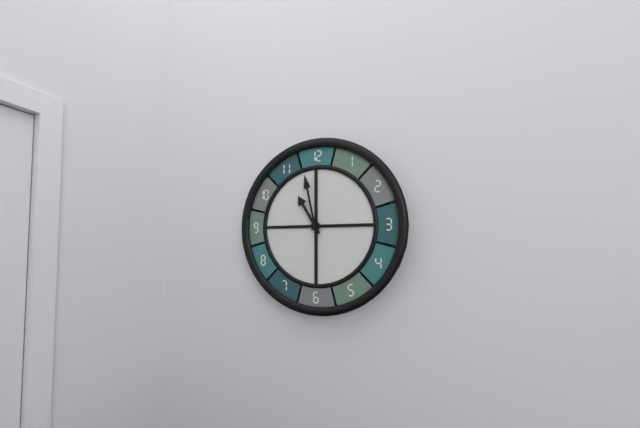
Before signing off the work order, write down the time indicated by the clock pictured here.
10:58
